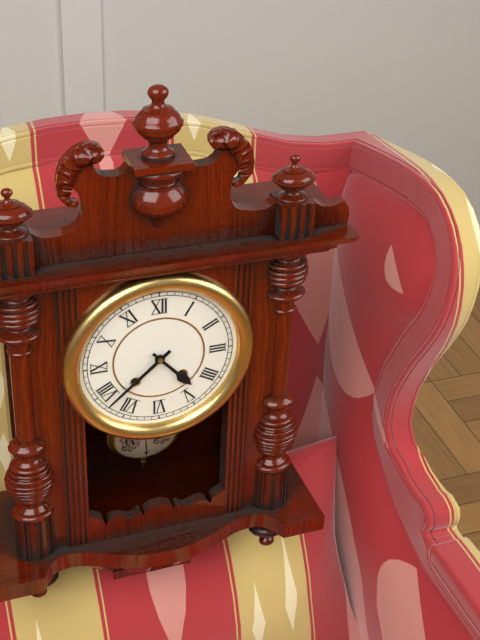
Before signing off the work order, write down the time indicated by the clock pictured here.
4:38
